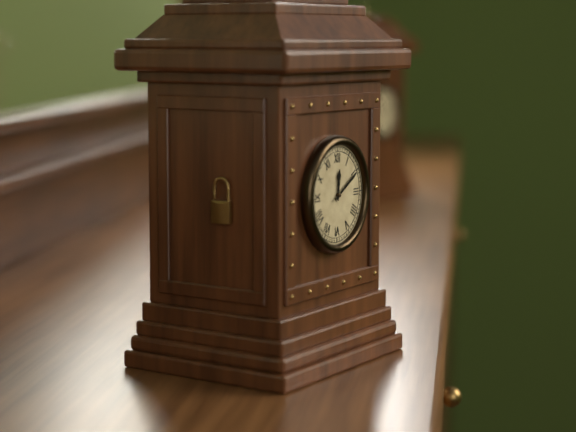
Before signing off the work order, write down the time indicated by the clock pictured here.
12:10
